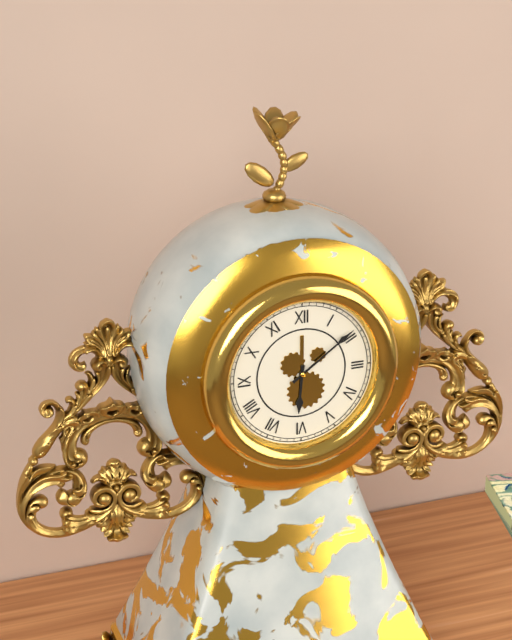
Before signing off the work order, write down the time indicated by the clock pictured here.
6:09
